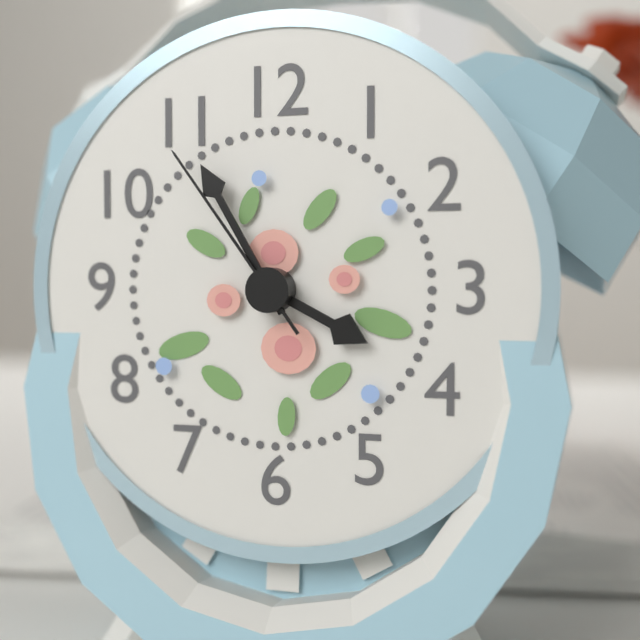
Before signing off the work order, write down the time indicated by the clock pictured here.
3:55:54
